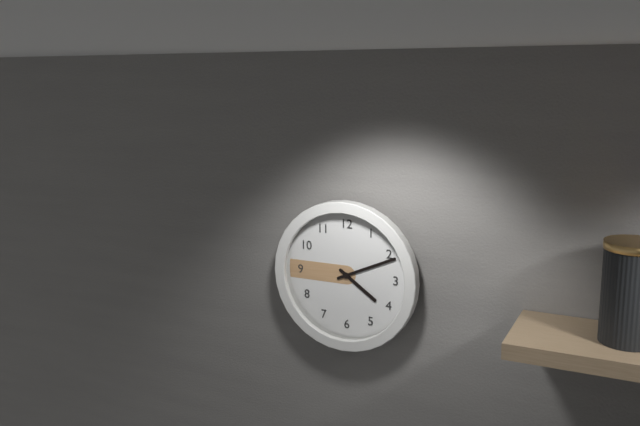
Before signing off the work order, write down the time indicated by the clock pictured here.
4:11
